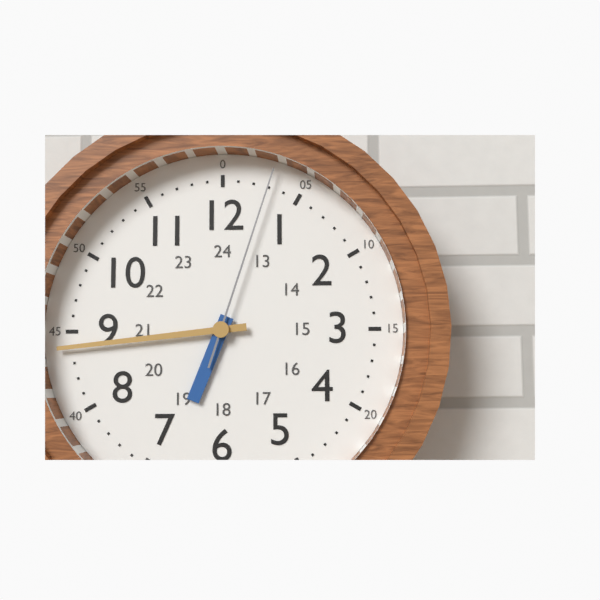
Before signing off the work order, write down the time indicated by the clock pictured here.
6:44:03
